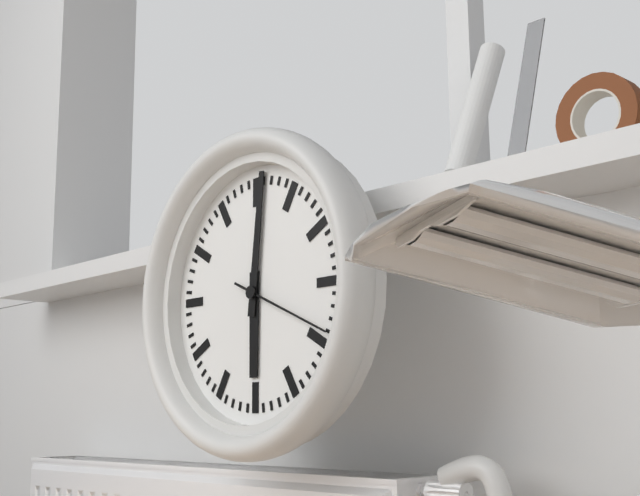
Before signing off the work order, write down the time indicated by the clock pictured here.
6:01:19
